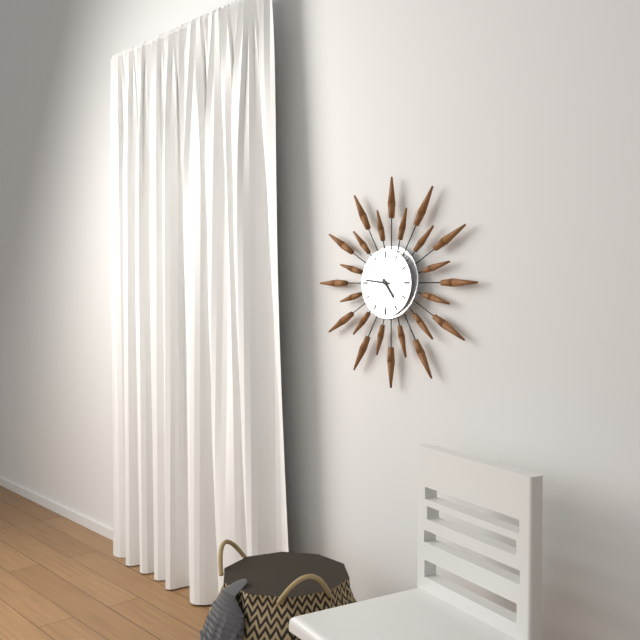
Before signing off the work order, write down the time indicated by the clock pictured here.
4:46
